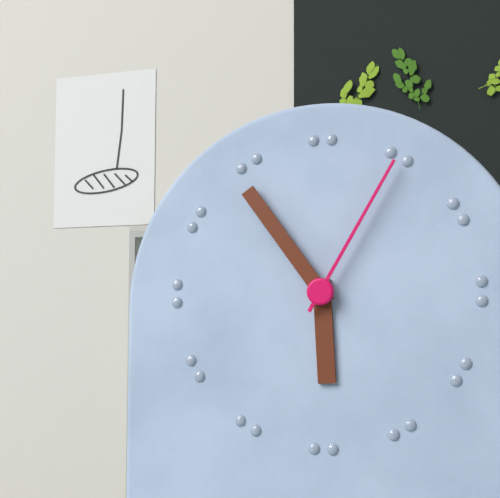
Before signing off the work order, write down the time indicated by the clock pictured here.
5:54:05
